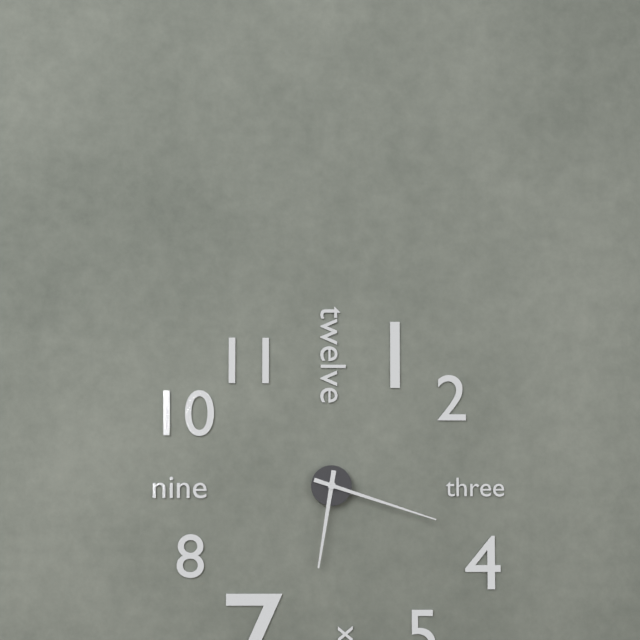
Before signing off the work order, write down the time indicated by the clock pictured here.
6:18
